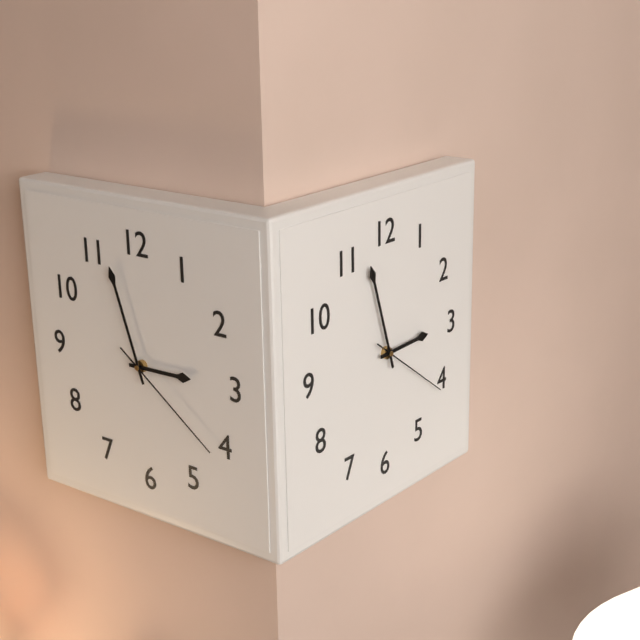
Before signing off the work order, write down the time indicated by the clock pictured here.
2:57:21
